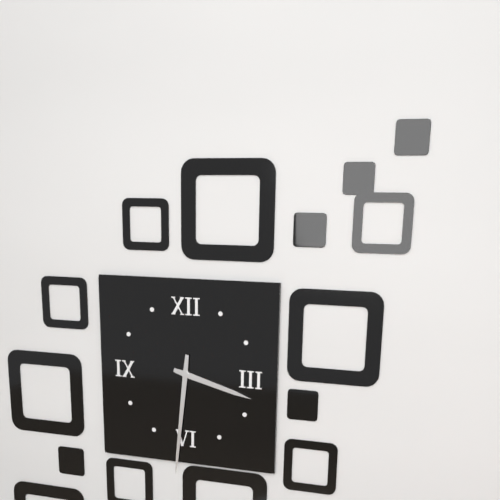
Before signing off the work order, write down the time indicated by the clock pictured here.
3:31
